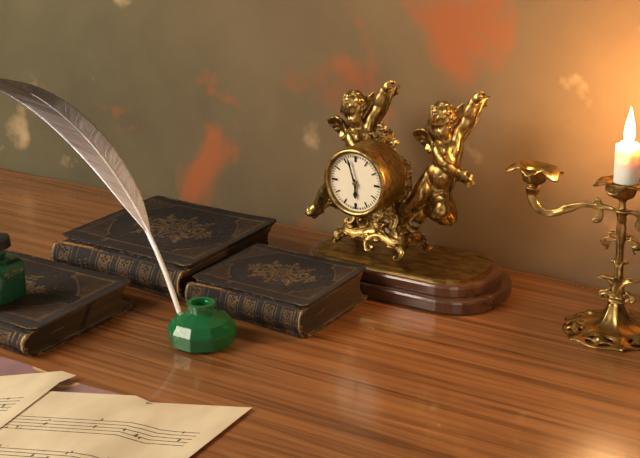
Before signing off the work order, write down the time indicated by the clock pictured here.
5:57
